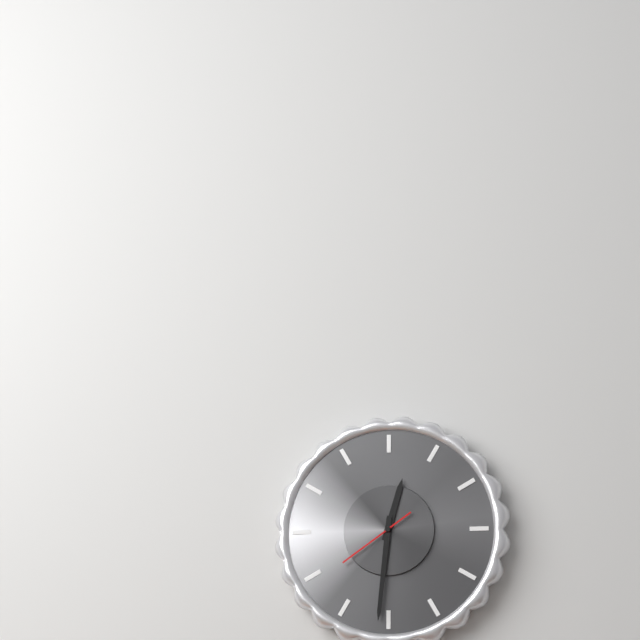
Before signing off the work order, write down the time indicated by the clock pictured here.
12:31:39
